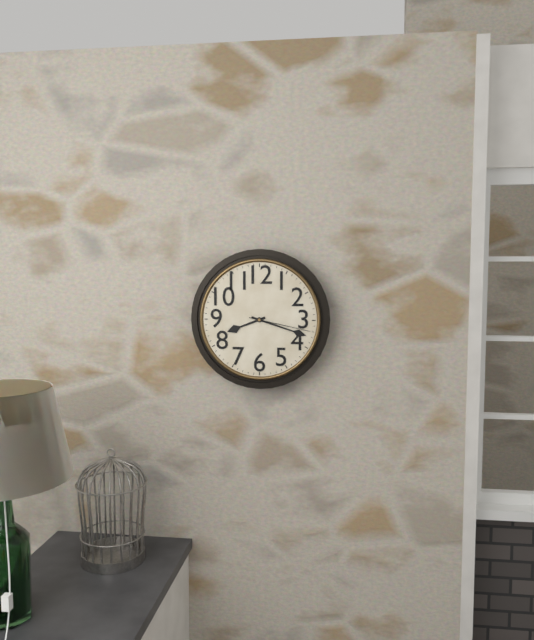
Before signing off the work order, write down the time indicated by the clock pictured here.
8:18:17
